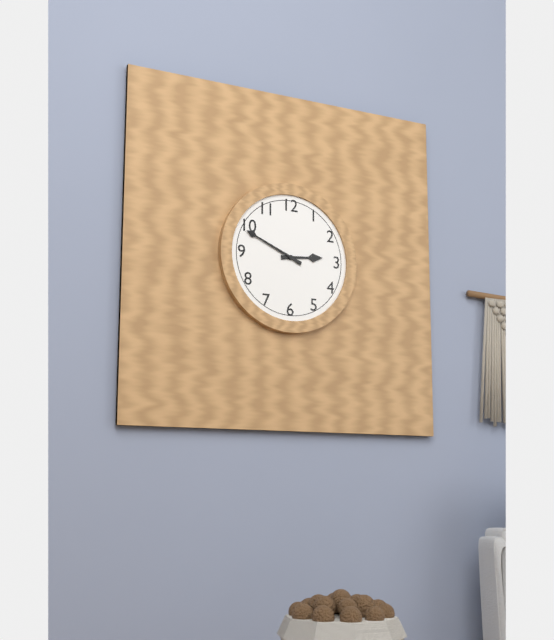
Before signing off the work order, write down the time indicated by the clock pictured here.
2:49
